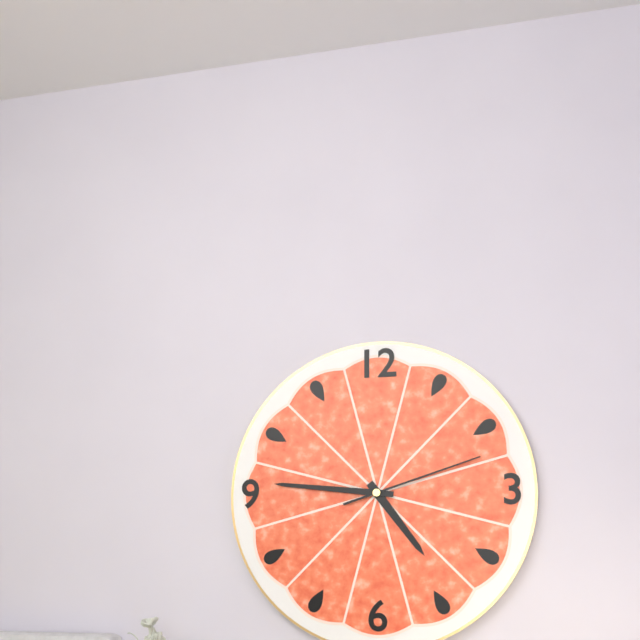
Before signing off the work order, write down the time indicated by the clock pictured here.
4:46:12
